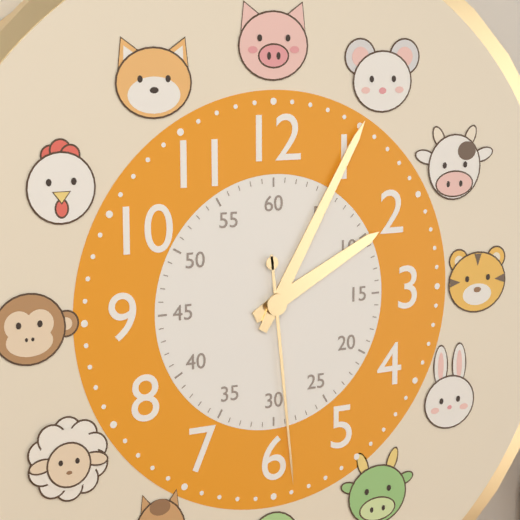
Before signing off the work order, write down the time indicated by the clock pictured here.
2:05:29
